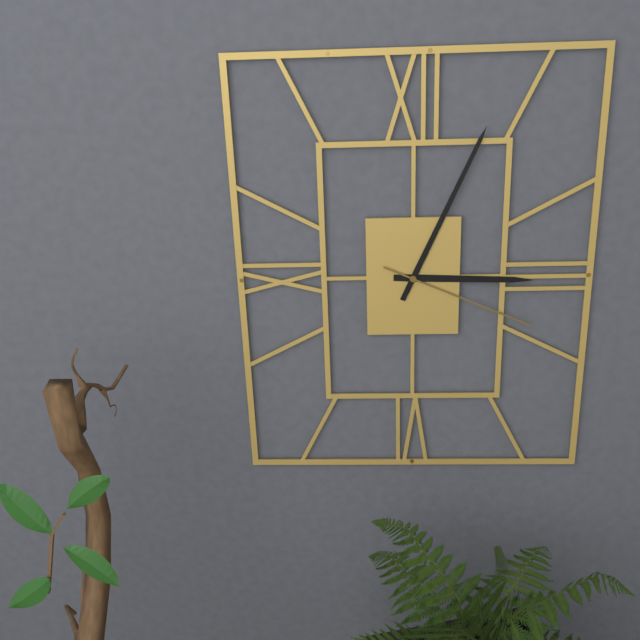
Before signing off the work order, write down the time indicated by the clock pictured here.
3:04:19
